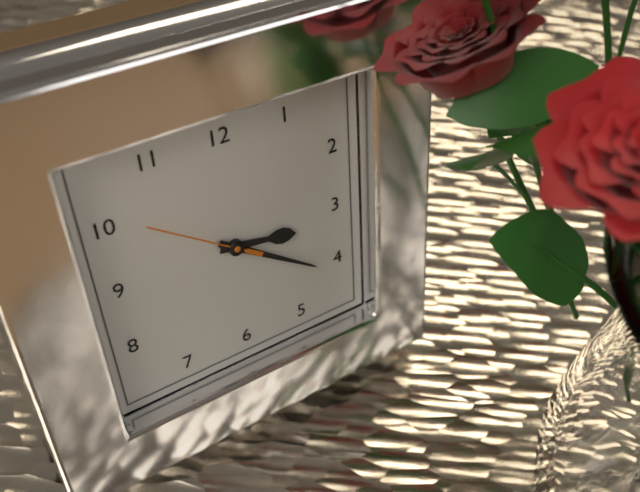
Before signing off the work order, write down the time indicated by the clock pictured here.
3:21:51
